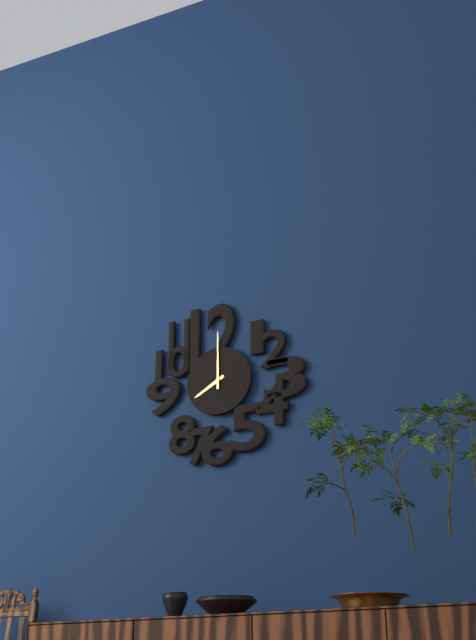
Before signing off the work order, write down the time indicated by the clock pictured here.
8:00
